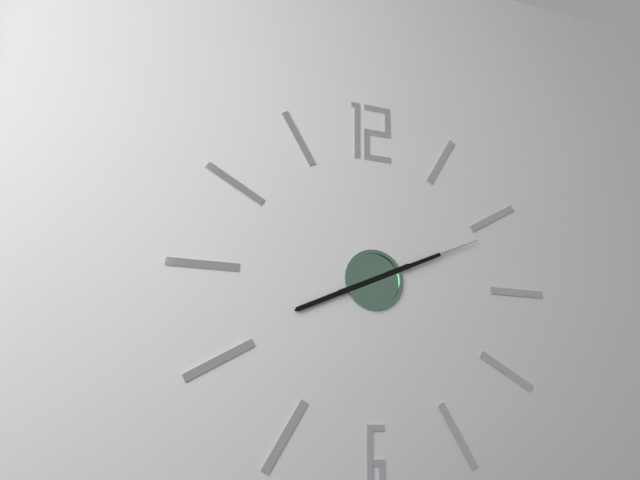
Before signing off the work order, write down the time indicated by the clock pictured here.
8:11
